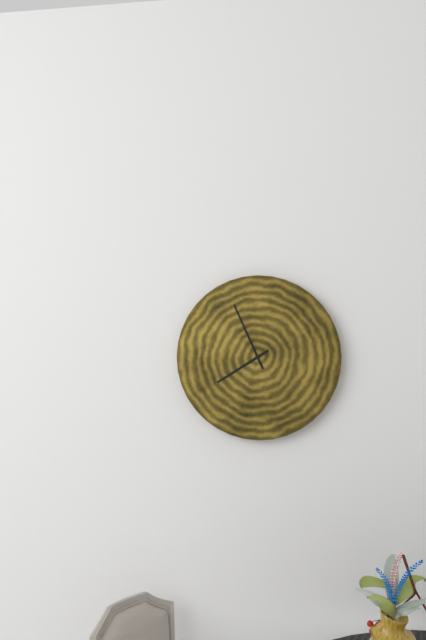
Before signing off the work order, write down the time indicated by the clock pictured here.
7:56
